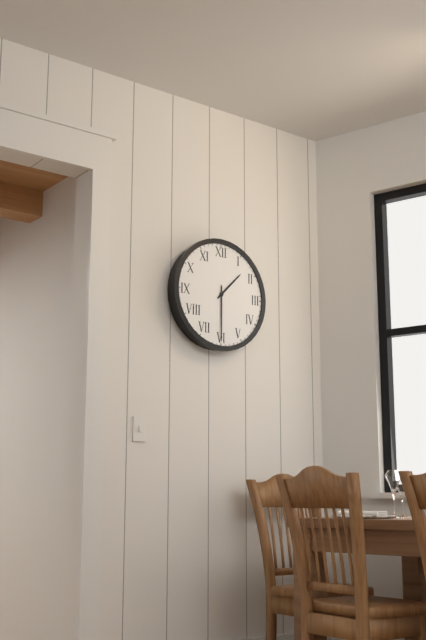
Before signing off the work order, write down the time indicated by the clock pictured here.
1:30
